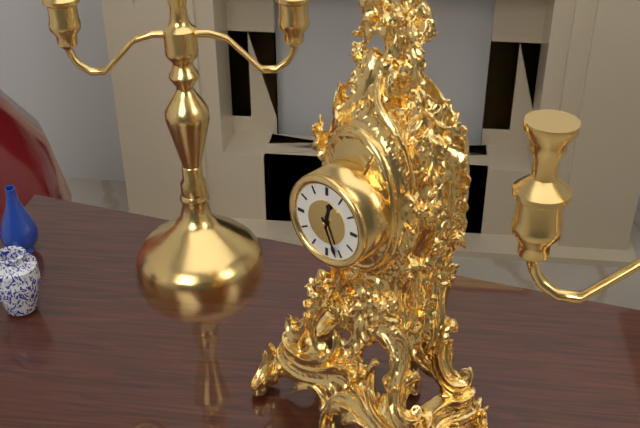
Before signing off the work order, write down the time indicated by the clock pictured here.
12:26
